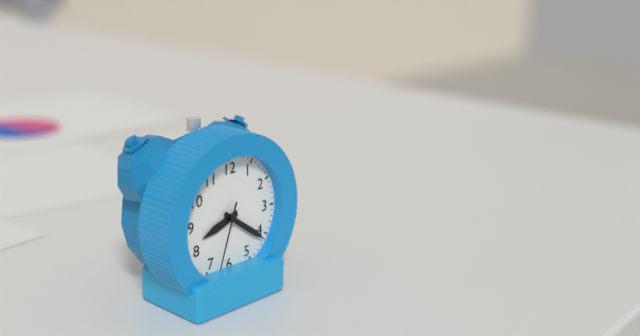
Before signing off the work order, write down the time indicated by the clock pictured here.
8:21:33
